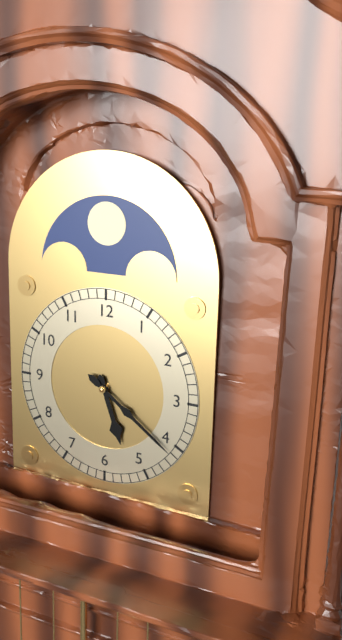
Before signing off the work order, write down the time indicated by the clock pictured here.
5:21
